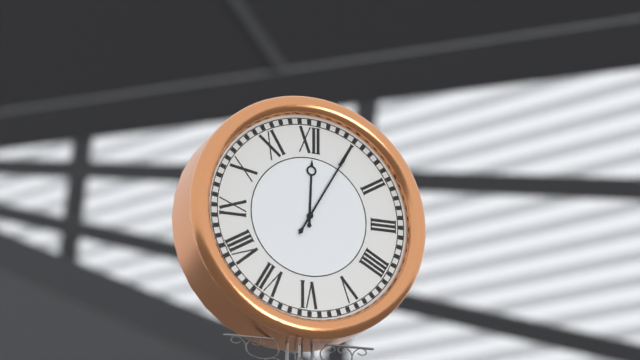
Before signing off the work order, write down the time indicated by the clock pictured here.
12:05
